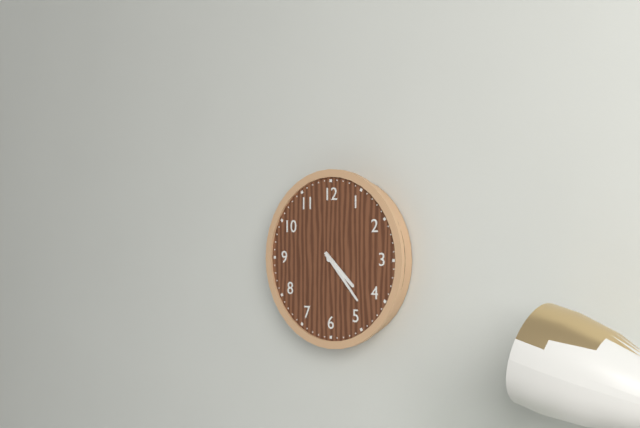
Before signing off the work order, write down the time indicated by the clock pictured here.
4:23
